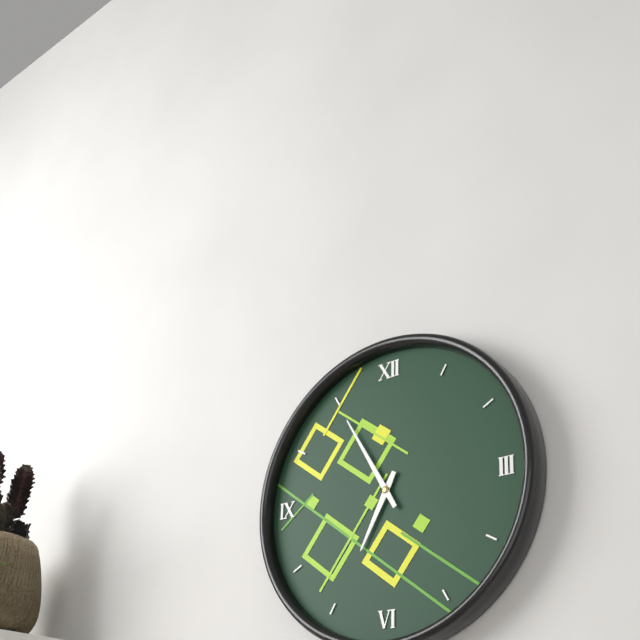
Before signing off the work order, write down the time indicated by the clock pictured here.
6:55
